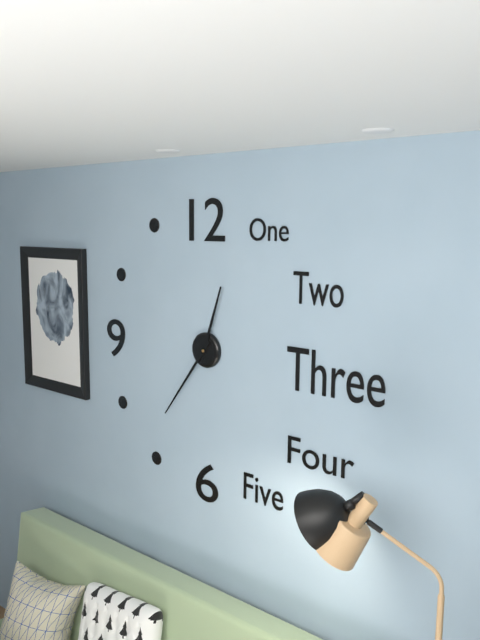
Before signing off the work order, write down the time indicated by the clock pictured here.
12:36
